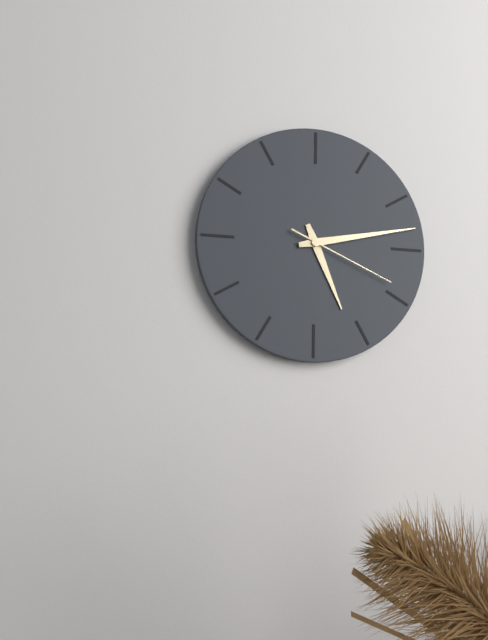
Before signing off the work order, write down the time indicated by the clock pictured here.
5:13:19
